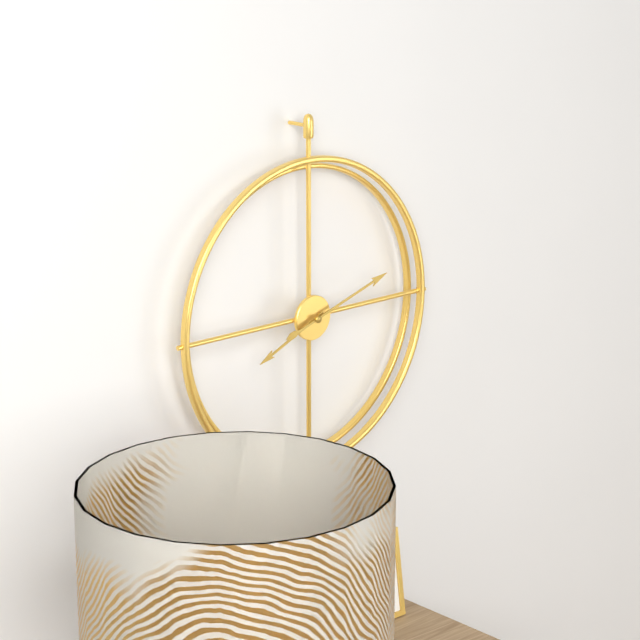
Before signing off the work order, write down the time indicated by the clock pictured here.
8:12
